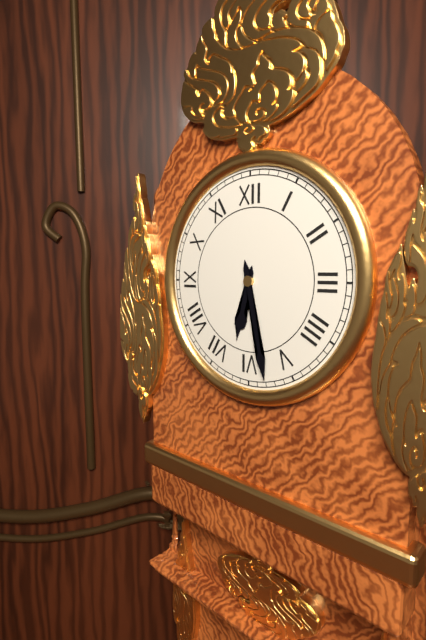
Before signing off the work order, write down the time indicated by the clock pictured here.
6:28
